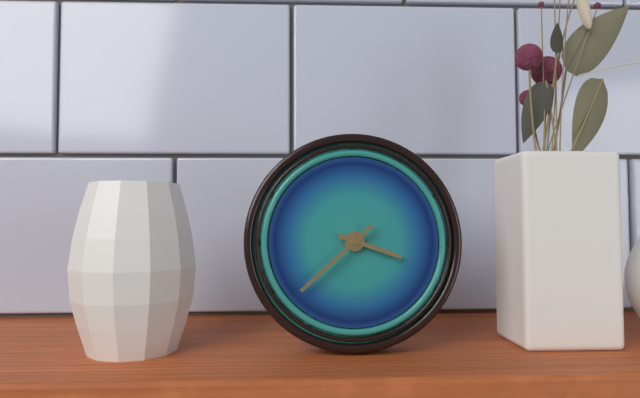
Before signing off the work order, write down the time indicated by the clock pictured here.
3:38
